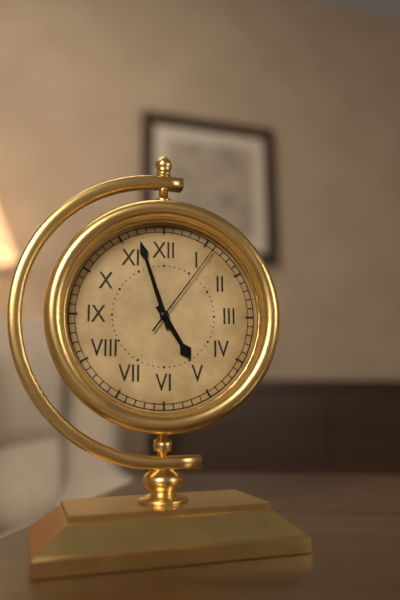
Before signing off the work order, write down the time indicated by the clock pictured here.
4:57:06
